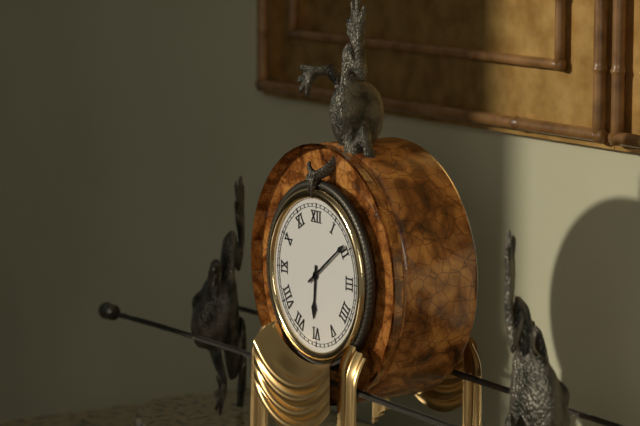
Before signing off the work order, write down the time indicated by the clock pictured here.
6:09
